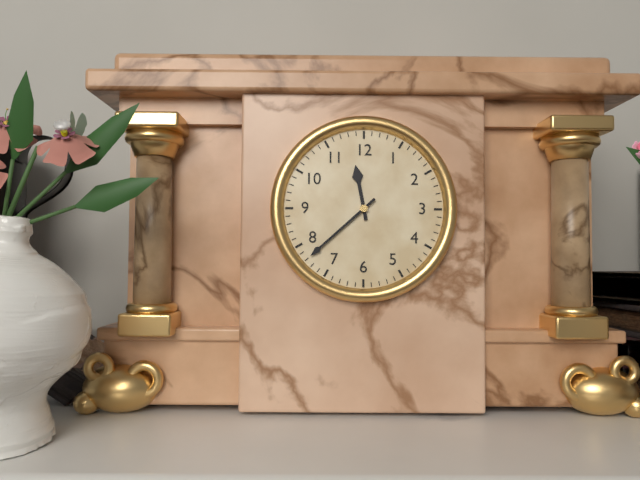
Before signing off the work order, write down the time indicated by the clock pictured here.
11:38
